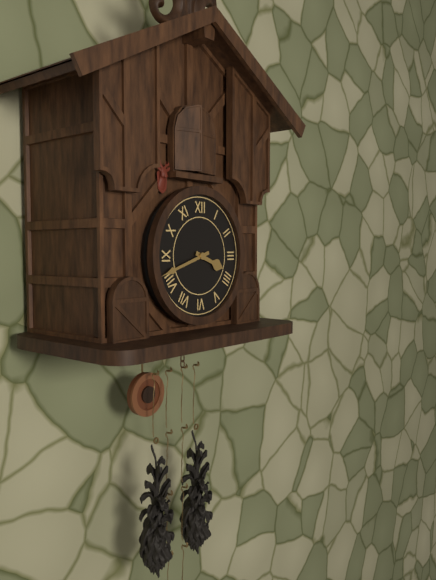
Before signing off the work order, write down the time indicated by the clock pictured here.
3:42
